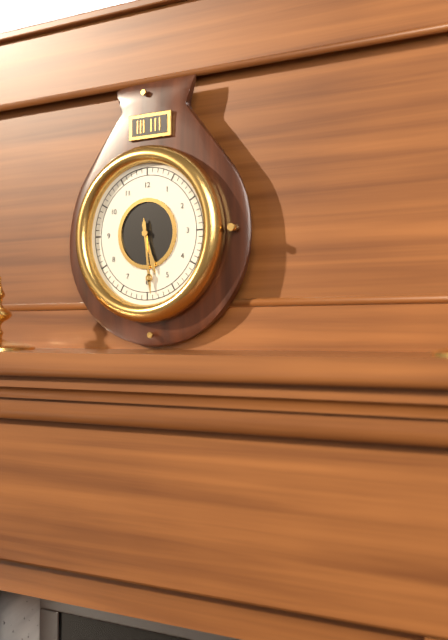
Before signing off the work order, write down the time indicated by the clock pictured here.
5:29
